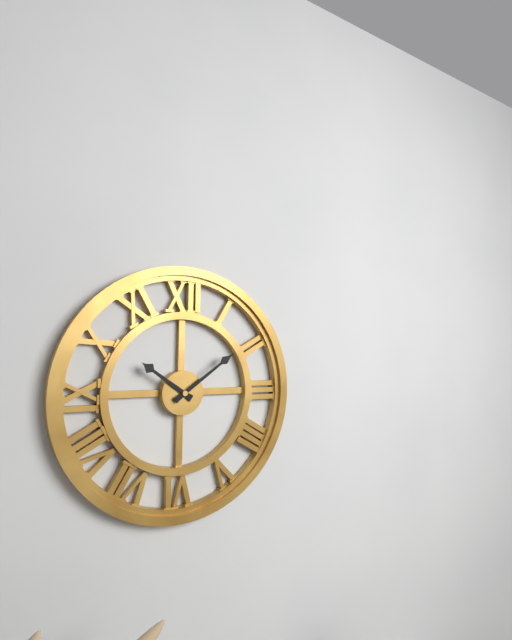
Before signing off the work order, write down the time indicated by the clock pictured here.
10:09
